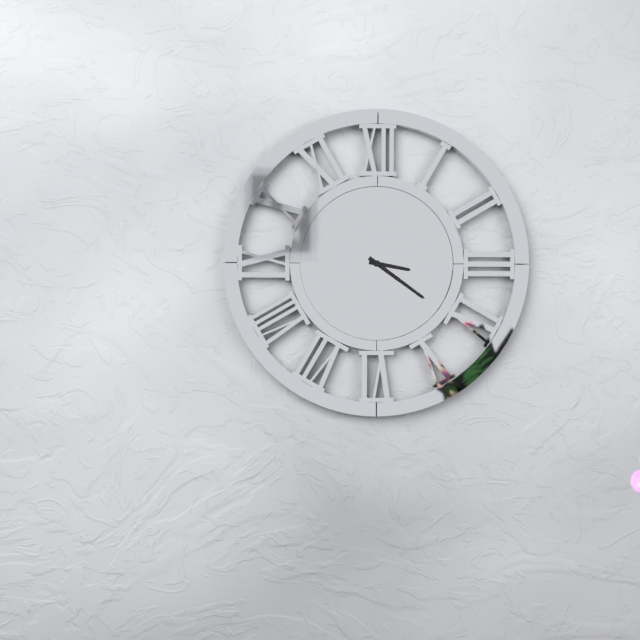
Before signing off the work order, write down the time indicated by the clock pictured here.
3:21
